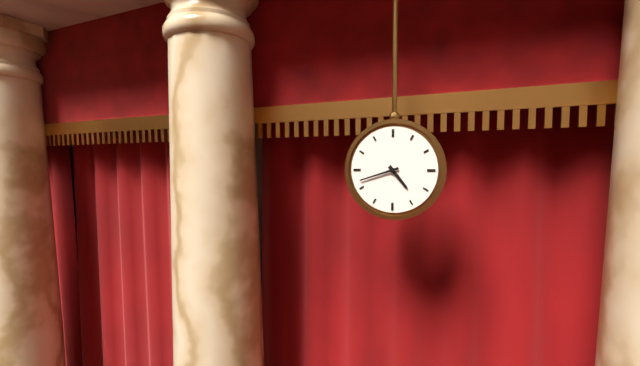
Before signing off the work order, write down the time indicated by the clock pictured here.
4:42
